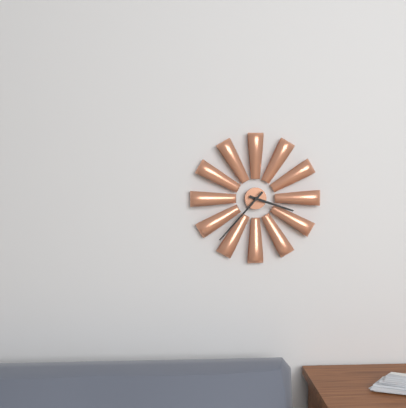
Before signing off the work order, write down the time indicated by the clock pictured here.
3:37
